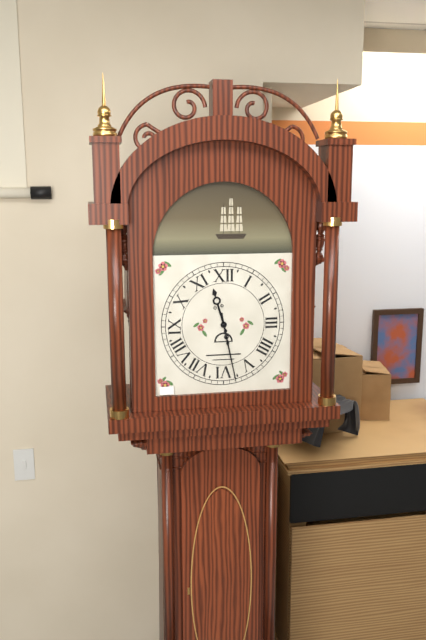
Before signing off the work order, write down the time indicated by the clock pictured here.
11:28
